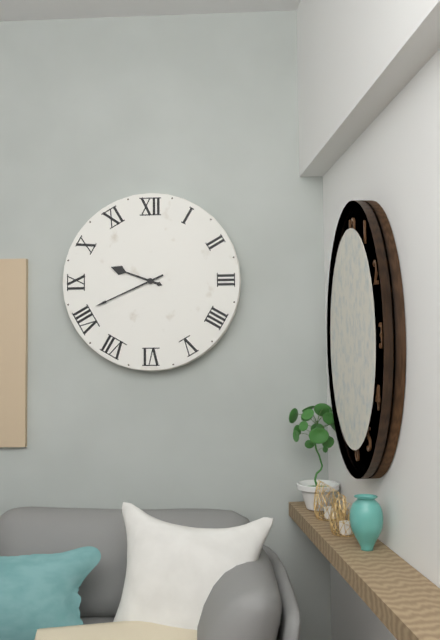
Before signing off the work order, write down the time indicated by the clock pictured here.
9:41
